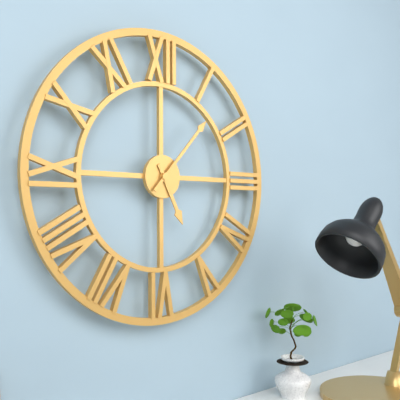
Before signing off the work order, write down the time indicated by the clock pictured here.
5:07
